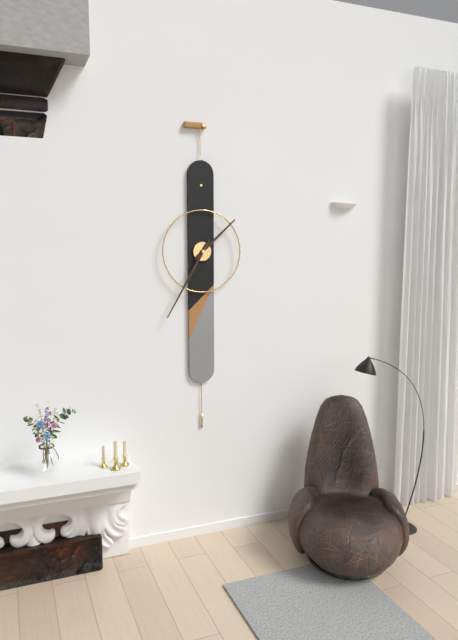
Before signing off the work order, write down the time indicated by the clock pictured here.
1:35
